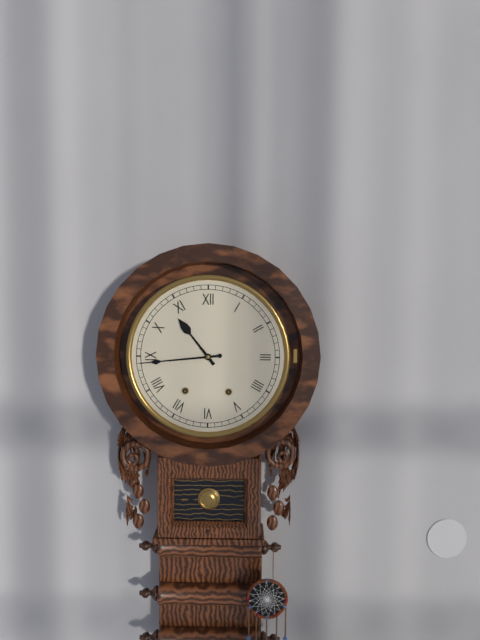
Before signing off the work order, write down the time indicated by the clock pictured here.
10:44
